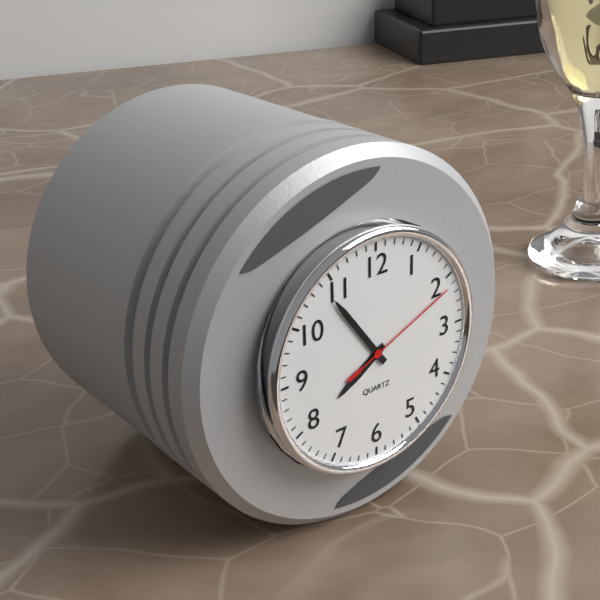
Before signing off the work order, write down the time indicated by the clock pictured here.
7:54:11
